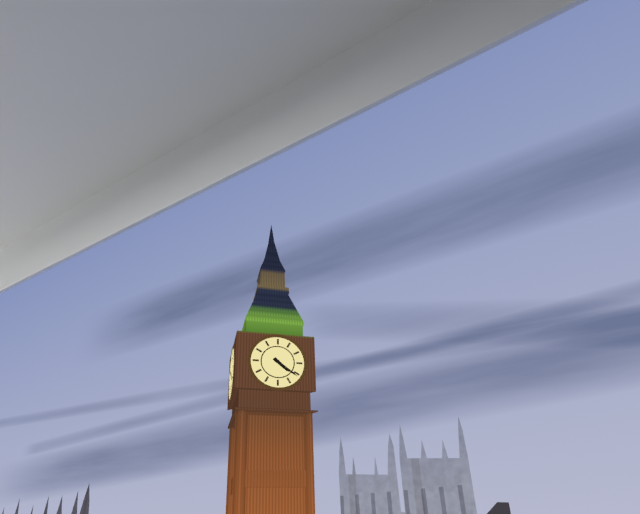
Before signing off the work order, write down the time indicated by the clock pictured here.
4:21
